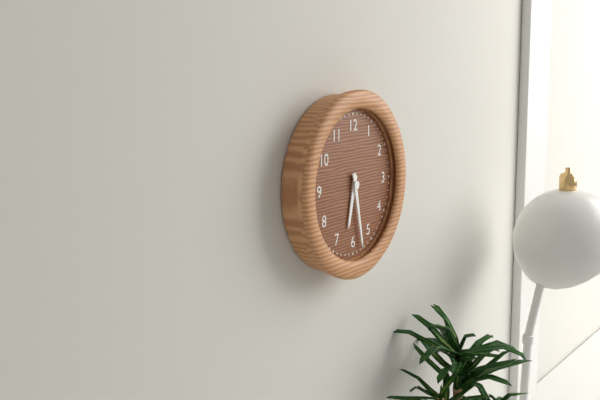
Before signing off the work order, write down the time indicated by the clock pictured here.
6:28
